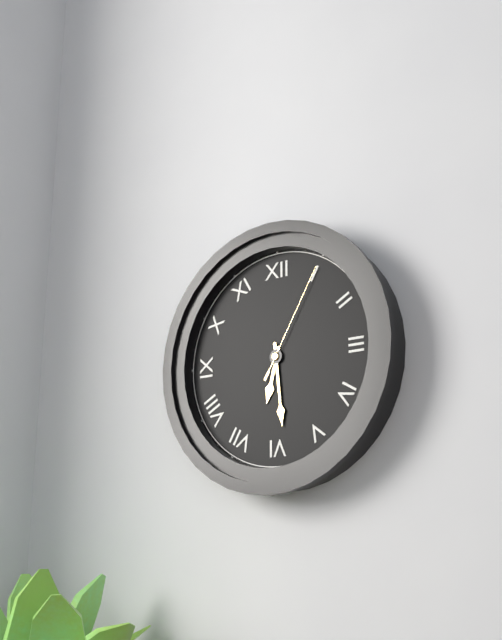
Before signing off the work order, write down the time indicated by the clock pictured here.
6:29:05
